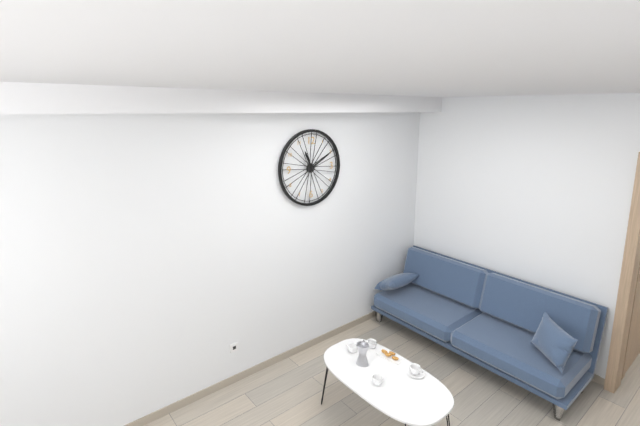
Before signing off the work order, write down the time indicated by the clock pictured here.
11:10
